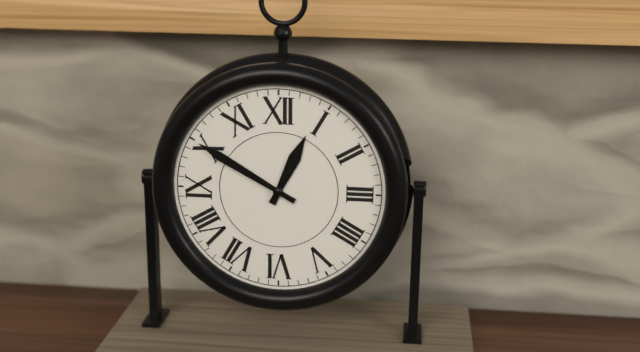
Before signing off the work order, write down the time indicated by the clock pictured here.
12:50
